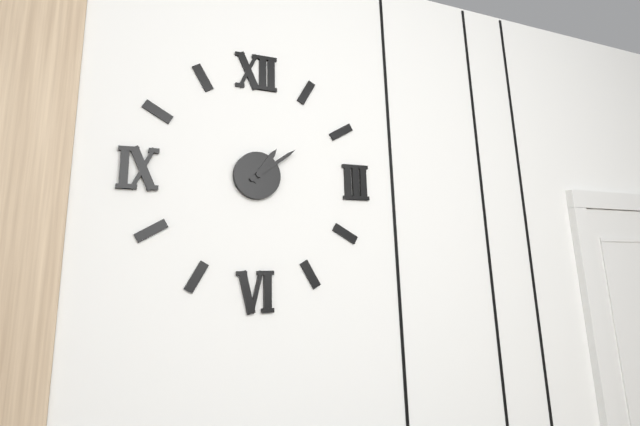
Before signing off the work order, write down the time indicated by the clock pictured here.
1:09
